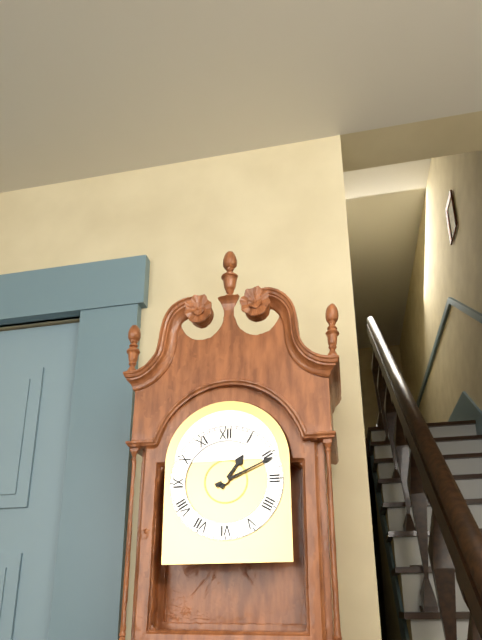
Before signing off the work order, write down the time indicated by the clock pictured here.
1:11
